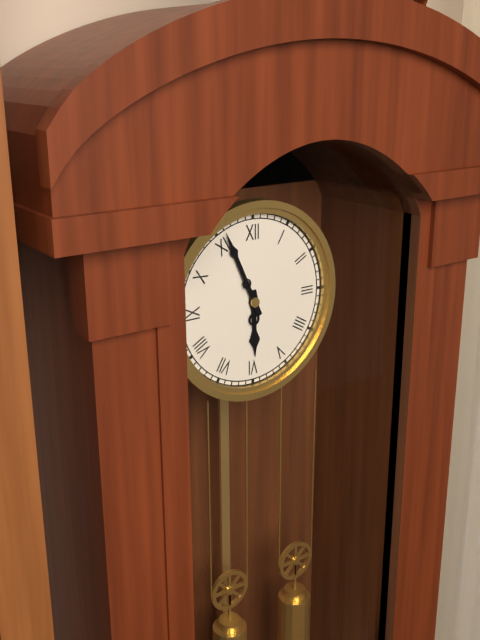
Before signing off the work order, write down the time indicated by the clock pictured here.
5:56
